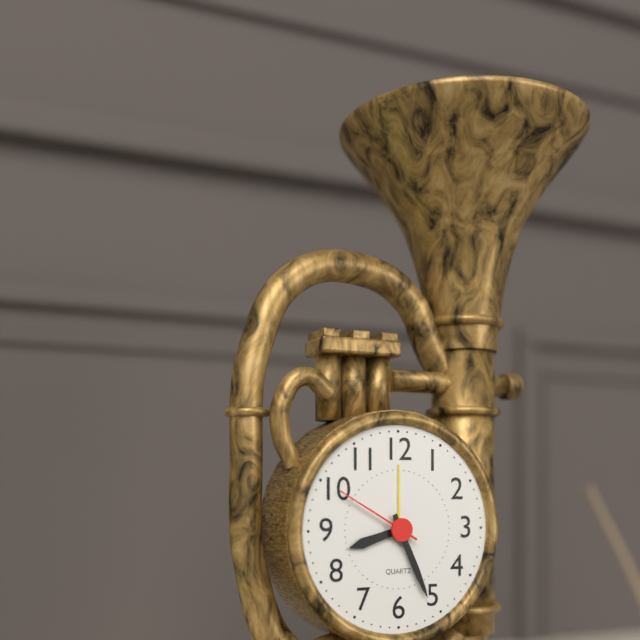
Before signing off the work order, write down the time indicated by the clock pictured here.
8:26:50
